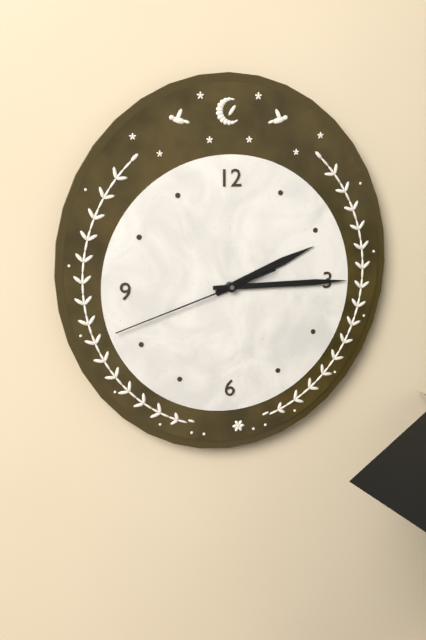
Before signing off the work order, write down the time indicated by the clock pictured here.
2:15:42
